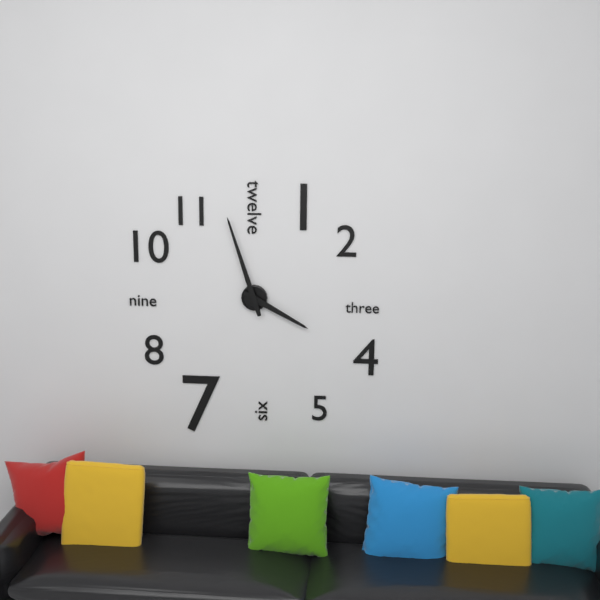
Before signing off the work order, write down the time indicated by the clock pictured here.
3:57
